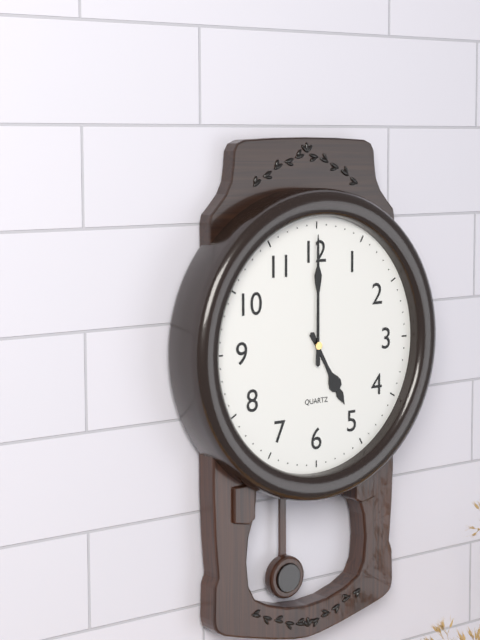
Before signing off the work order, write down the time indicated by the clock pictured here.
5:00
